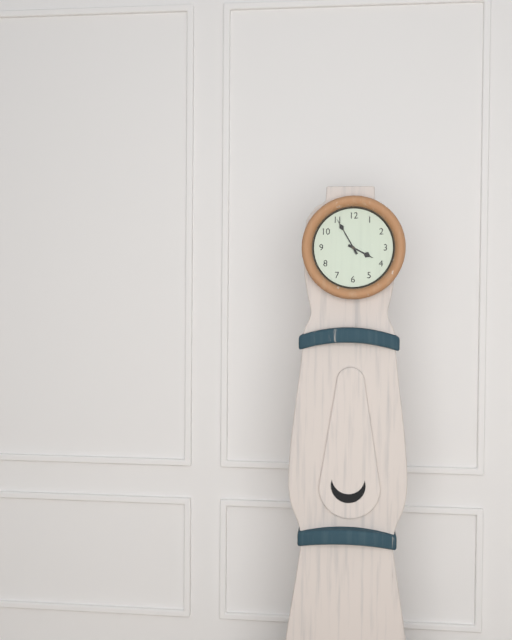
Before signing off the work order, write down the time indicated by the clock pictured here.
3:55
